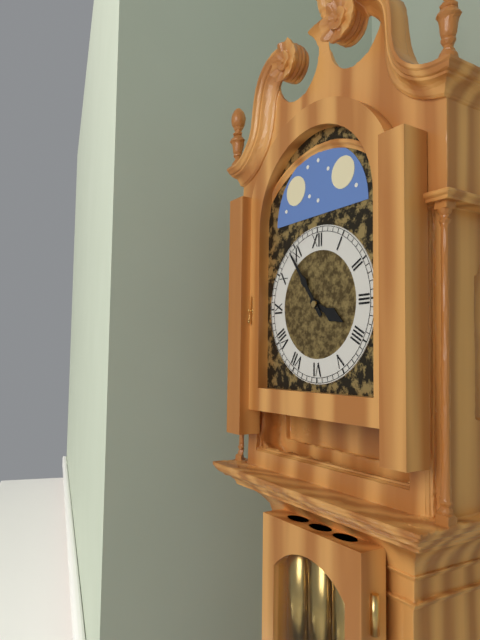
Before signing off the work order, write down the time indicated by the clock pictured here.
3:54
